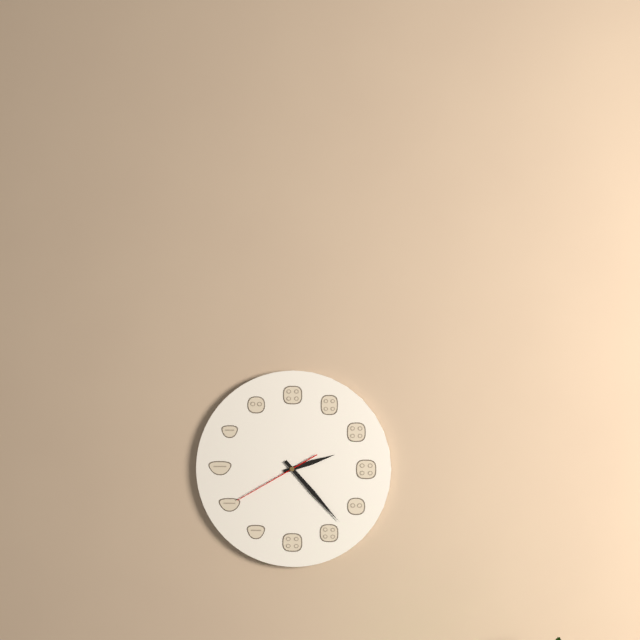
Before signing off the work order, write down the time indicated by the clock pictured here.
2:23:40
